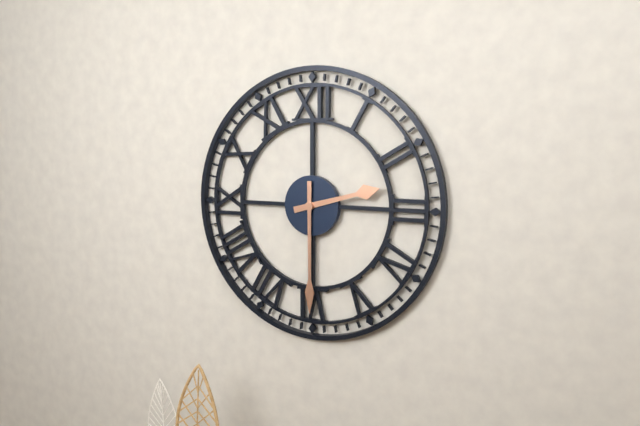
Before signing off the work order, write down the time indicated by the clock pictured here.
2:30
